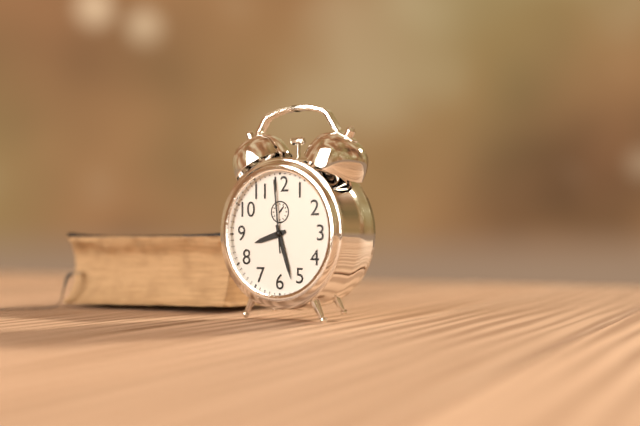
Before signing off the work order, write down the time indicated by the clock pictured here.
8:27:59
